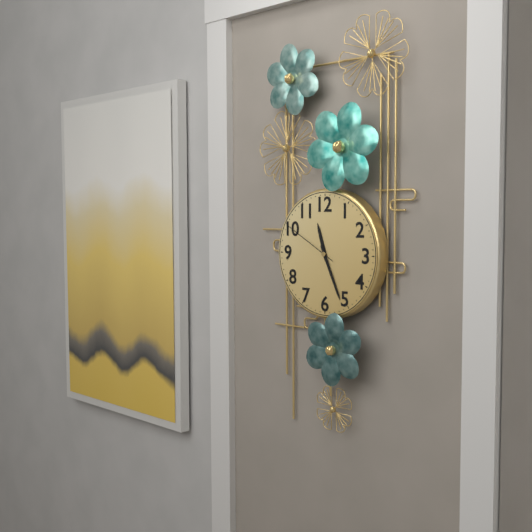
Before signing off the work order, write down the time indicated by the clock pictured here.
11:26:50
